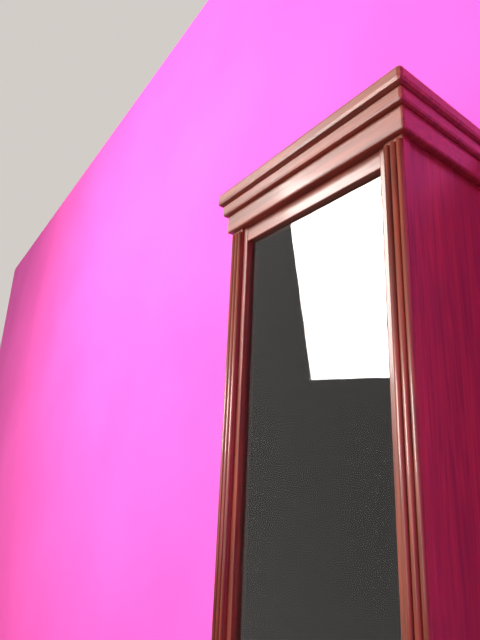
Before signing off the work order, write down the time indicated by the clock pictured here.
11:53
